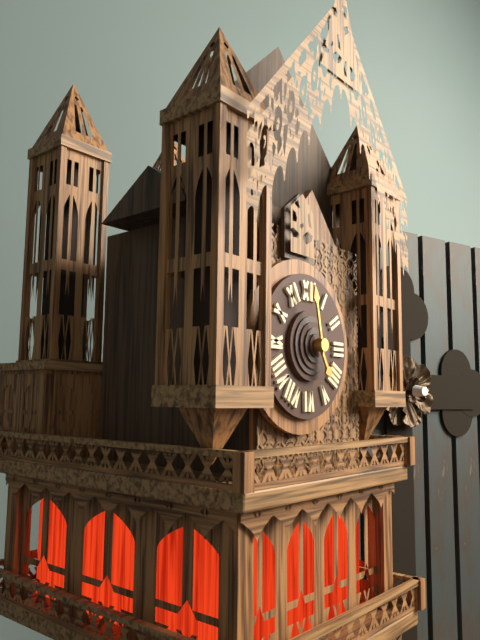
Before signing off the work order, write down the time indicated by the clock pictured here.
4:58
